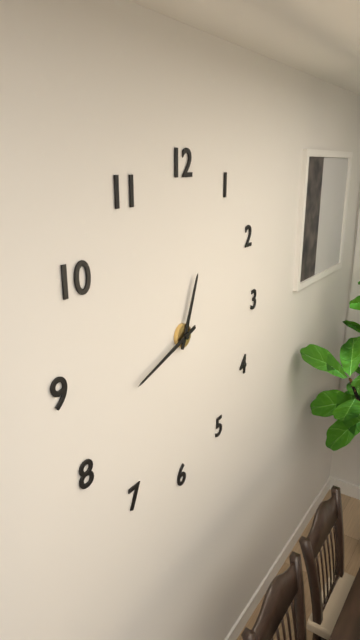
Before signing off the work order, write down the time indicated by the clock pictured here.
12:42
